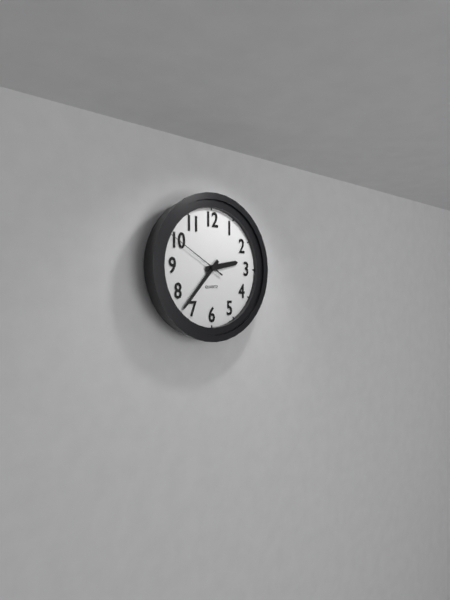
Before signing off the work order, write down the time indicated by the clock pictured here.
2:37:50
